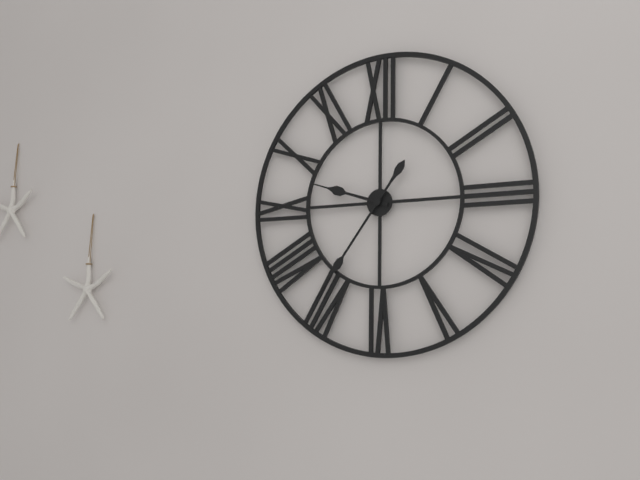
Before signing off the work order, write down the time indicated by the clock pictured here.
9:36
